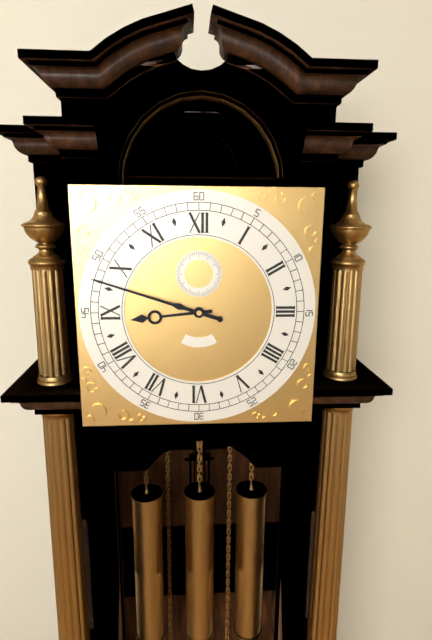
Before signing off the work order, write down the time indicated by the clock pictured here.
8:48
